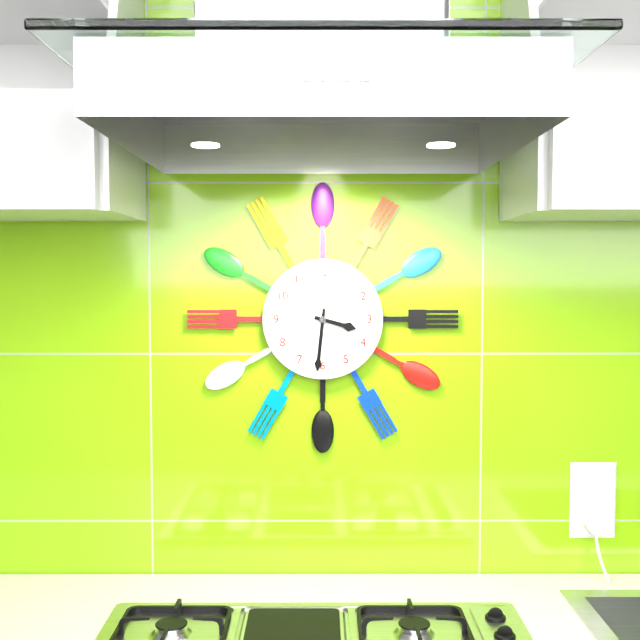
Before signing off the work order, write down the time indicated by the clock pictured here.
3:31
